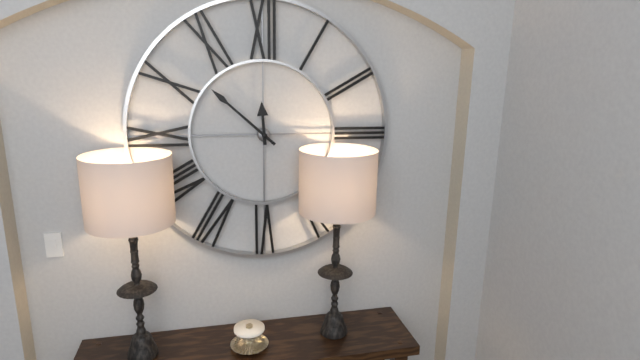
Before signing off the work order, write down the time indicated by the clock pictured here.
11:52
